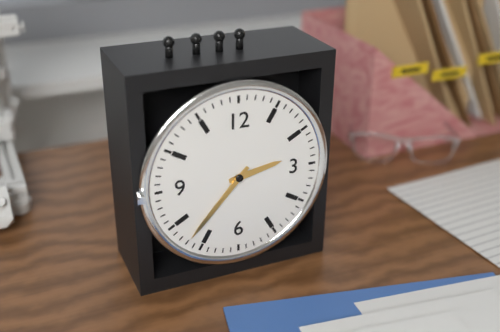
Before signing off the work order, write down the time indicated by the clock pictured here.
2:37
